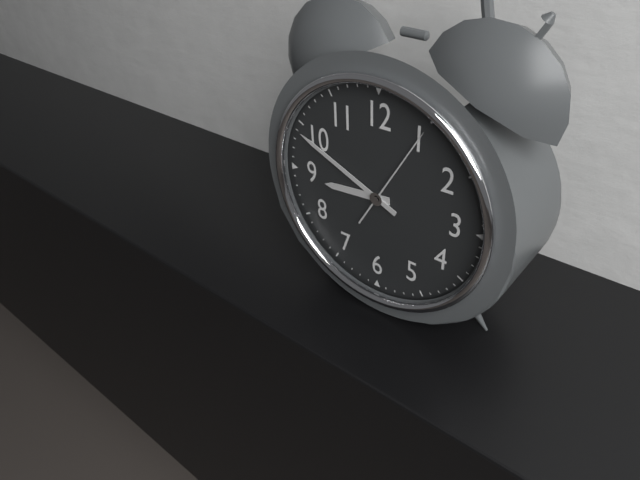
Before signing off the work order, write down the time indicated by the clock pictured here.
8:49:05
